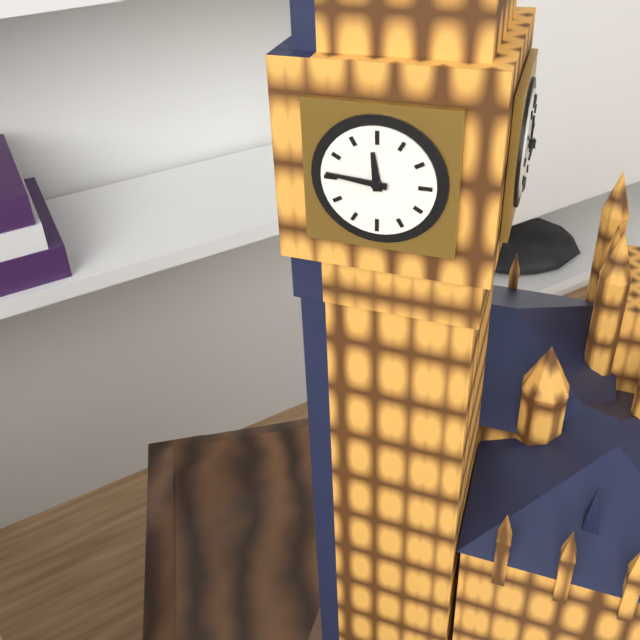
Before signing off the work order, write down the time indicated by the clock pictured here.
11:46
